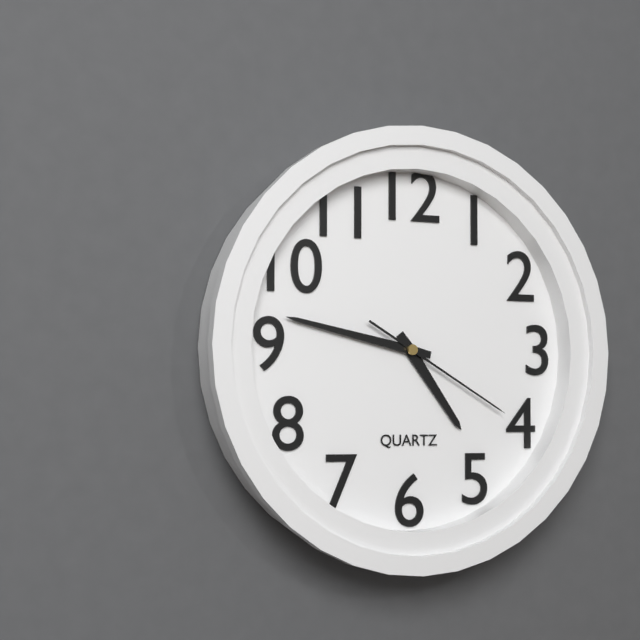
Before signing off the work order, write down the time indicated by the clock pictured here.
4:47:20
